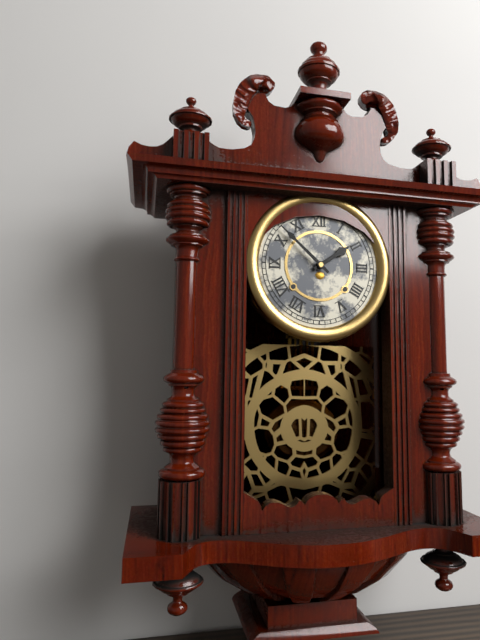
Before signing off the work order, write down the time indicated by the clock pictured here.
1:52
